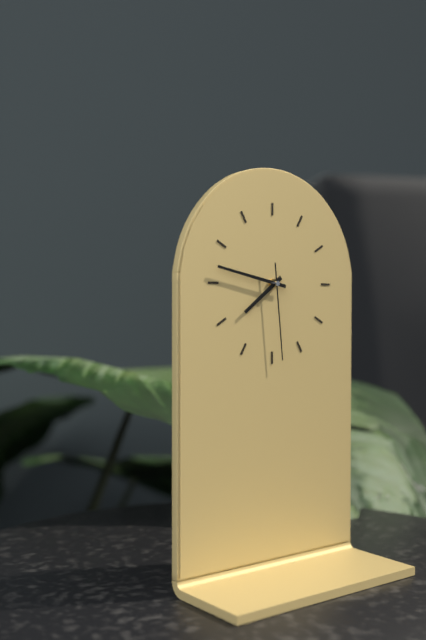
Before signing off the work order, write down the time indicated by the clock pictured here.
7:47:29
